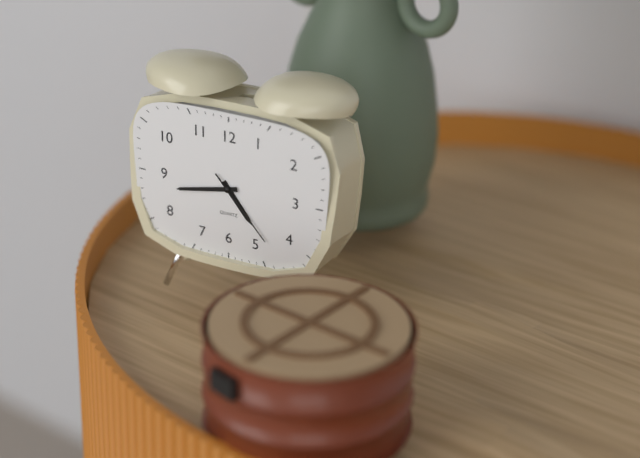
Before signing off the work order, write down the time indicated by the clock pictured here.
4:43:23
